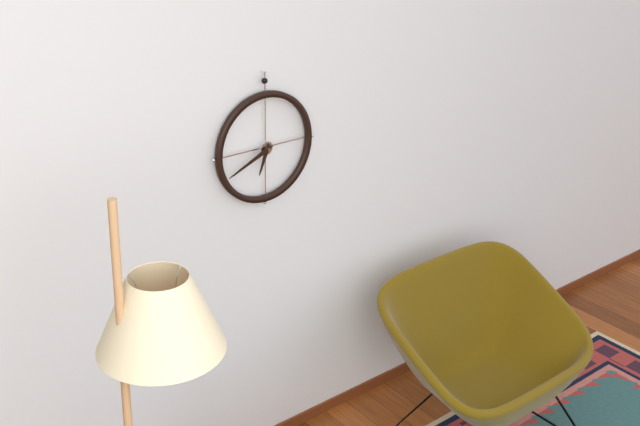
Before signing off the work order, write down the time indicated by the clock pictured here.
6:41
